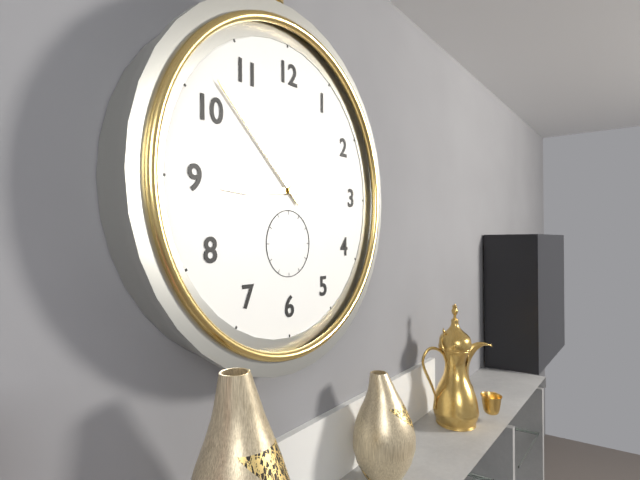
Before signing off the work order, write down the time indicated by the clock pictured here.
8:52
